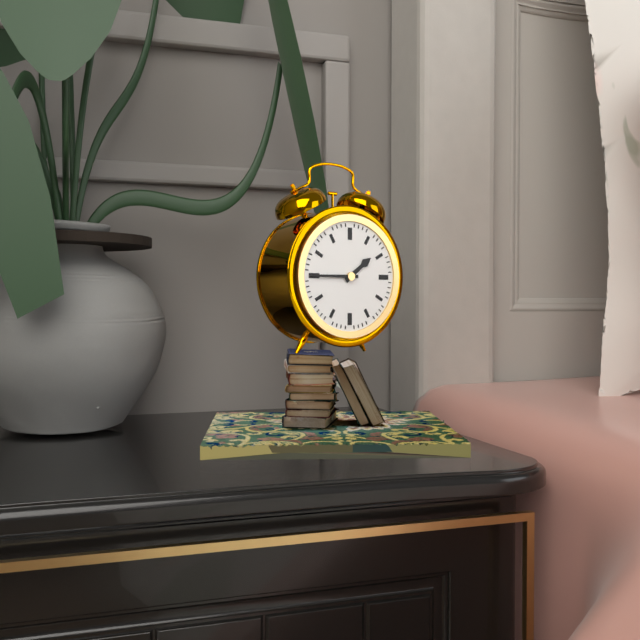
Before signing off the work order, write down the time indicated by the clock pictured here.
1:45
